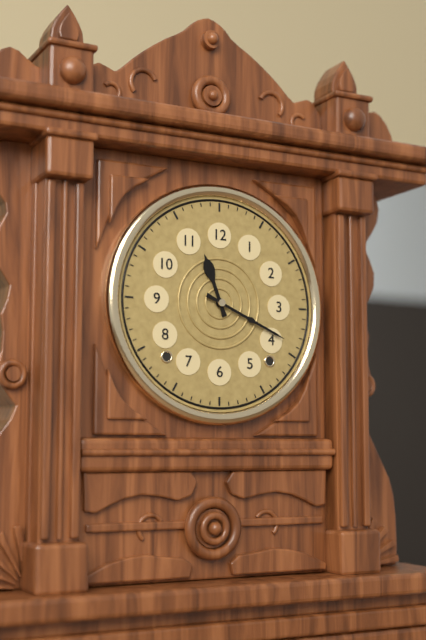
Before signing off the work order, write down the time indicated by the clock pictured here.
11:19
